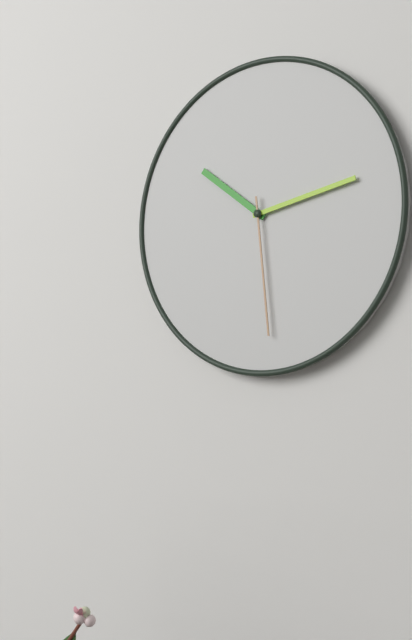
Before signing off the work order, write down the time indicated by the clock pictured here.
10:13:29
